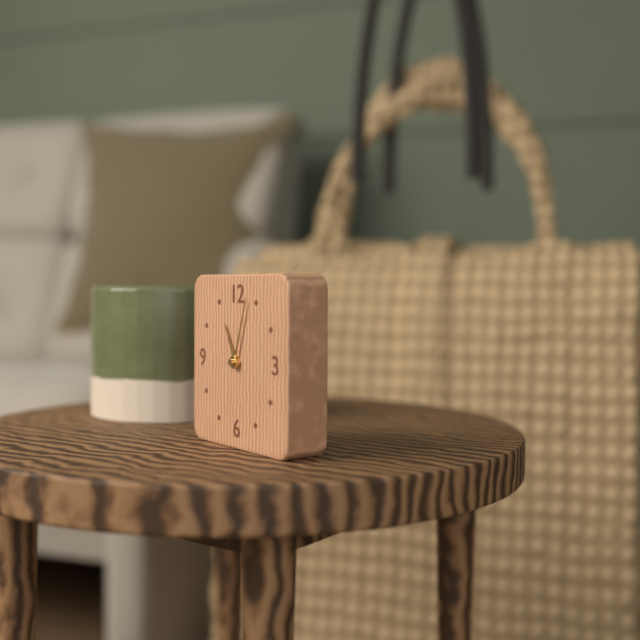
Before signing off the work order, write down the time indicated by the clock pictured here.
11:03
